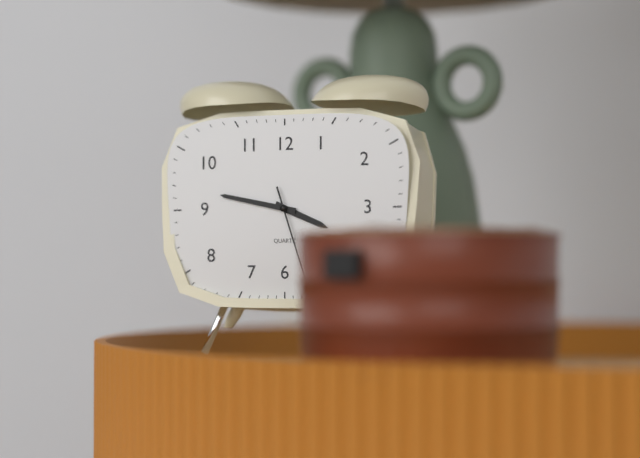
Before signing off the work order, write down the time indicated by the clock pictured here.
3:47:27
